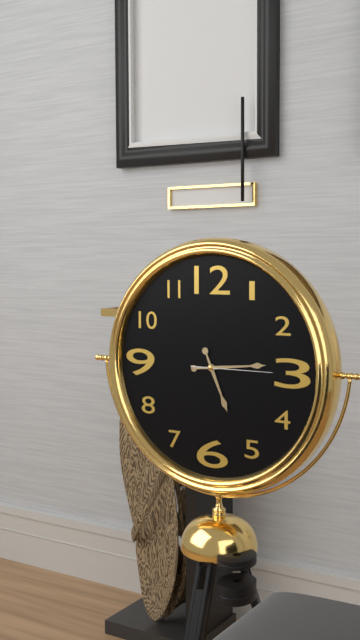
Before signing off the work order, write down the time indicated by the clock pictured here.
5:14:15
